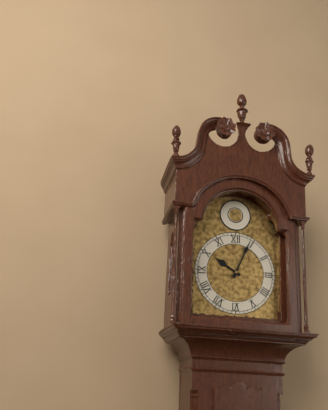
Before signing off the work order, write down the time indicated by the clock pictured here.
10:04
